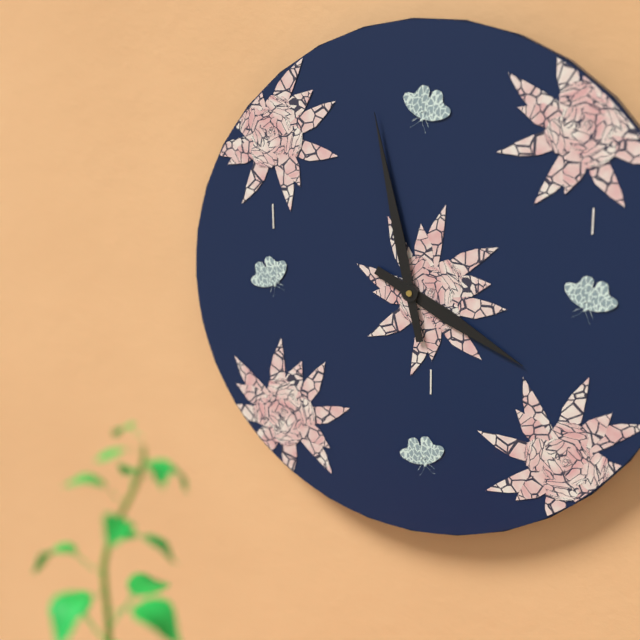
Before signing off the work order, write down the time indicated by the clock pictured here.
3:58
